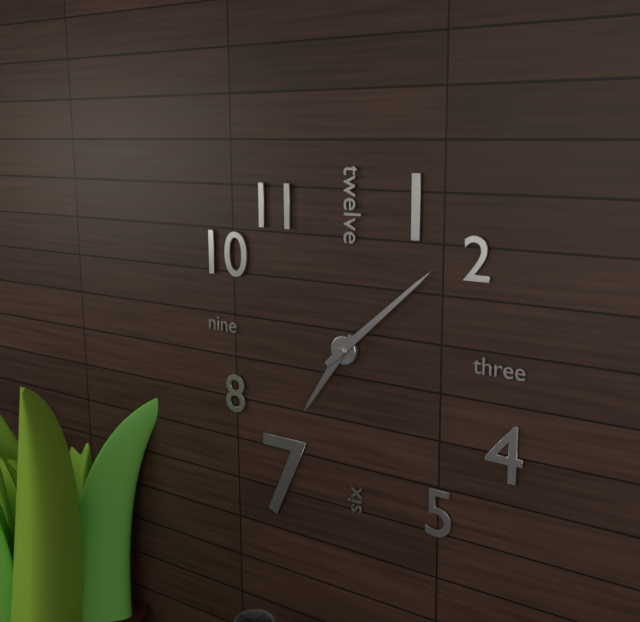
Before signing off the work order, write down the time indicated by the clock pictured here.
7:08
